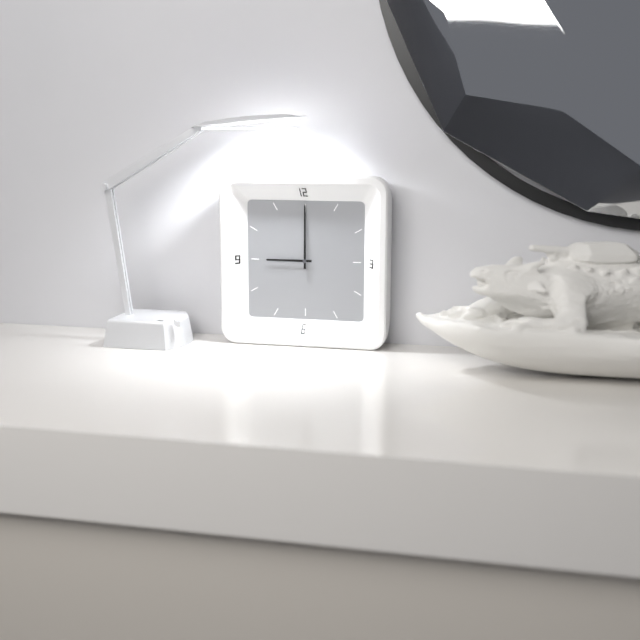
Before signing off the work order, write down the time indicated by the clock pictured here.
9:00
